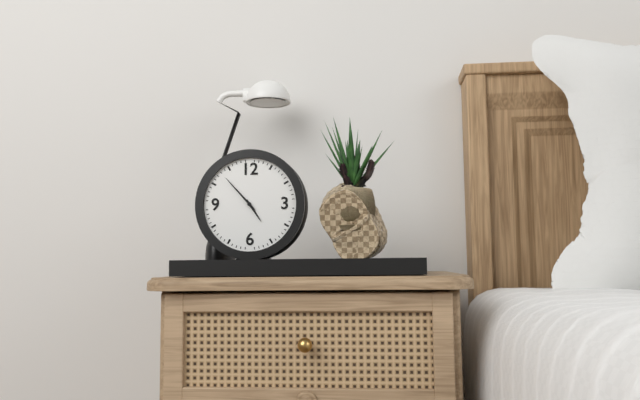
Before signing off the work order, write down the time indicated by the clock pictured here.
4:53
